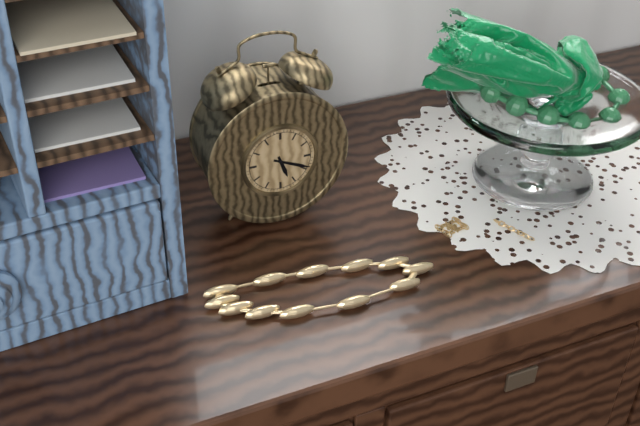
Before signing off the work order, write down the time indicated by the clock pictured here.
5:19
